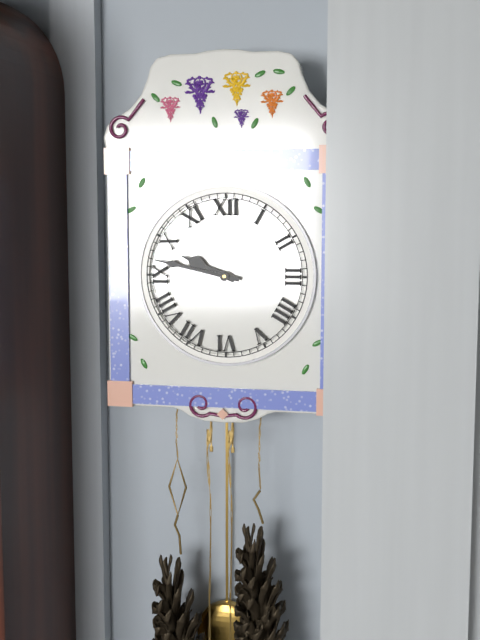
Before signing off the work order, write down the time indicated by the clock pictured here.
9:47
